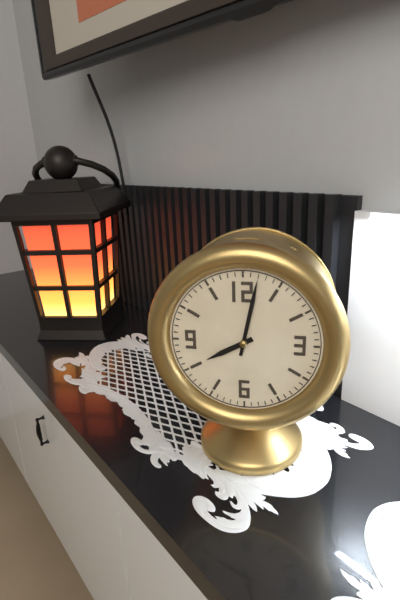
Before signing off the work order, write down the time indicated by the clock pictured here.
8:02
